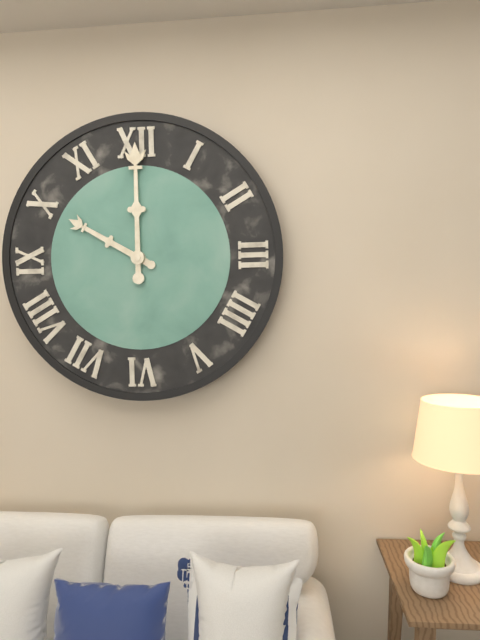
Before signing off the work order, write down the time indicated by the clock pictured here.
10:00
